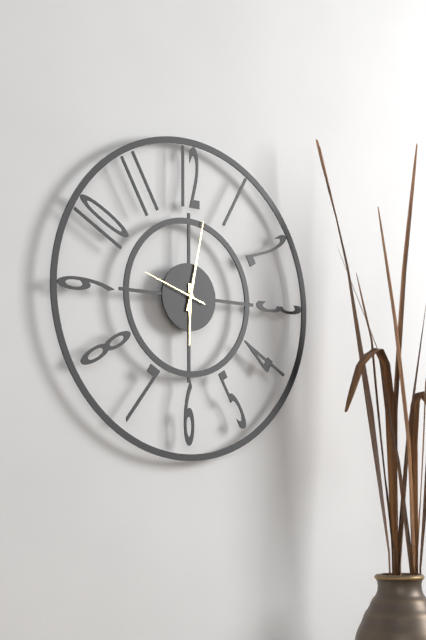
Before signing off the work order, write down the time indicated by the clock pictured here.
6:02:48
